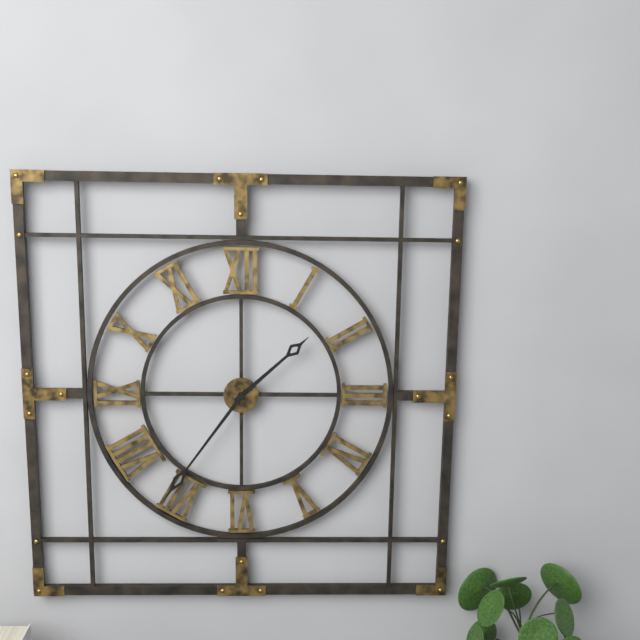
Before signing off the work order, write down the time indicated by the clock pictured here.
1:36
